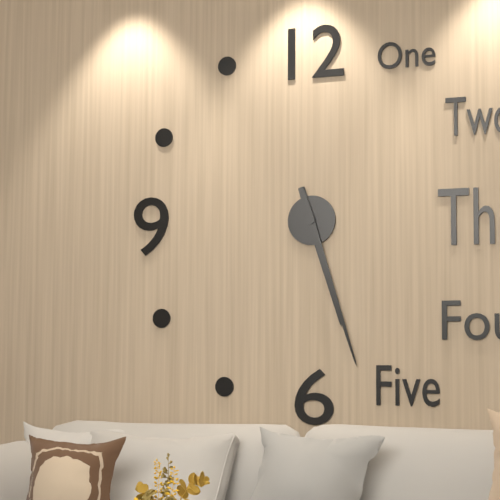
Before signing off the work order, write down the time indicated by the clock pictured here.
5:27
